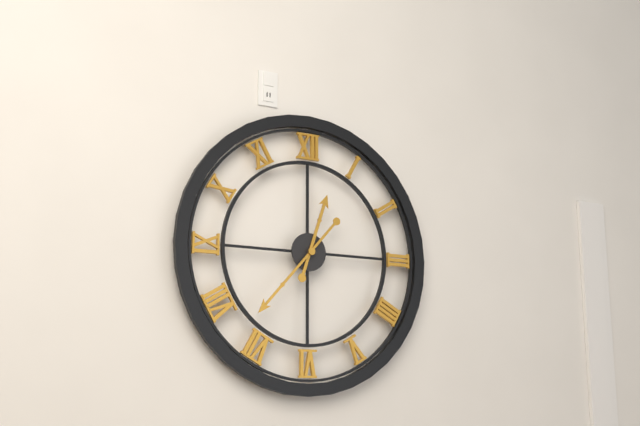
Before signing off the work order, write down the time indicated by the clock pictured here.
12:37
